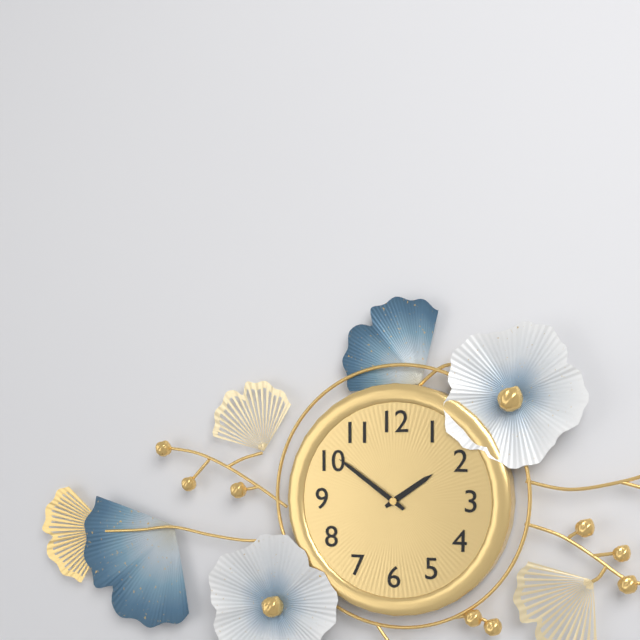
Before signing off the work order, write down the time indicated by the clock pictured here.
1:51
